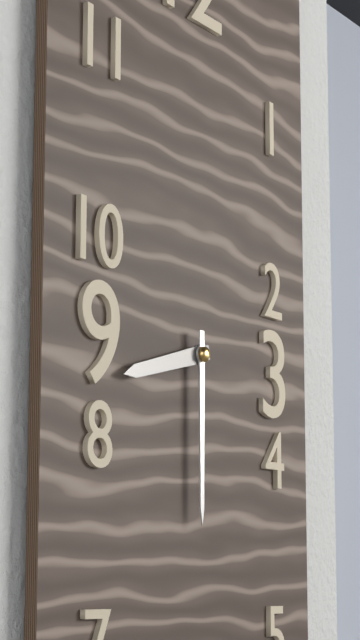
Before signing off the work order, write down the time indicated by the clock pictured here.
8:30
